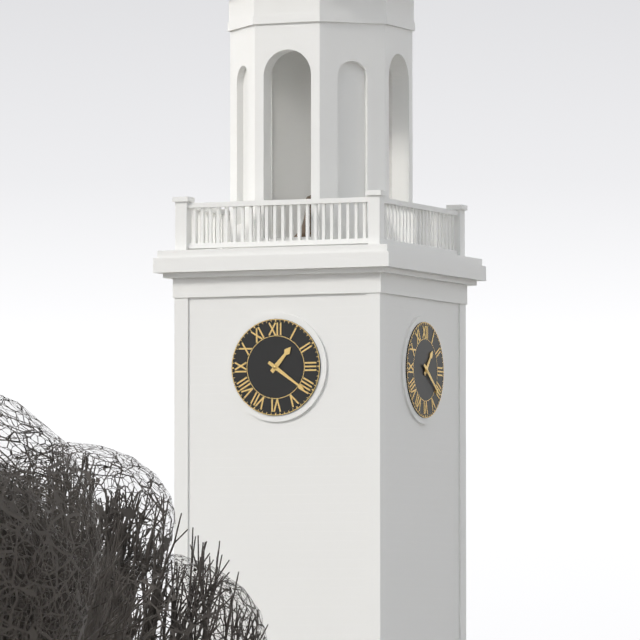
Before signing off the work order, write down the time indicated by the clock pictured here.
1:21
